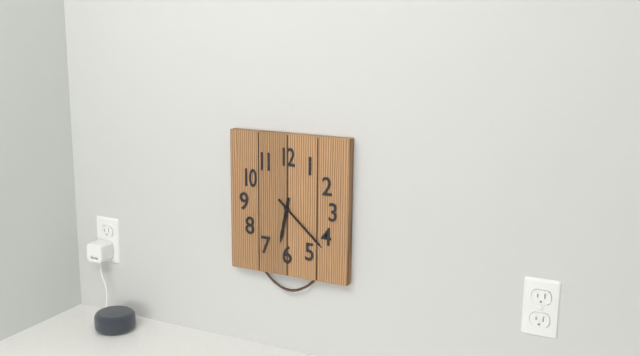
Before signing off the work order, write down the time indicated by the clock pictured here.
6:22
